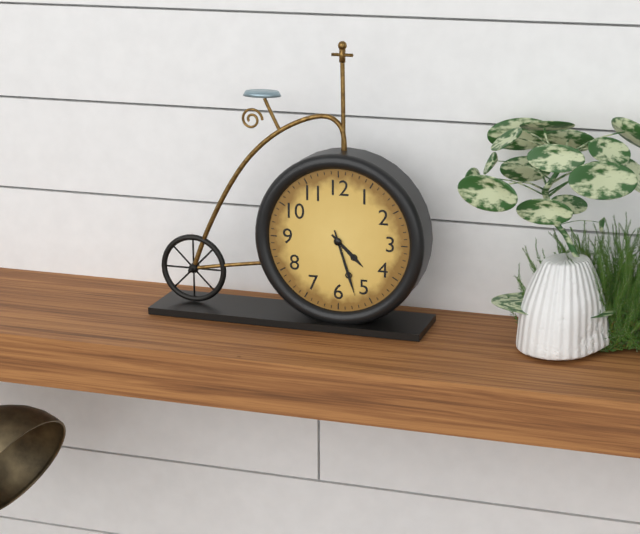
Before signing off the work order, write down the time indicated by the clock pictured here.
4:27
